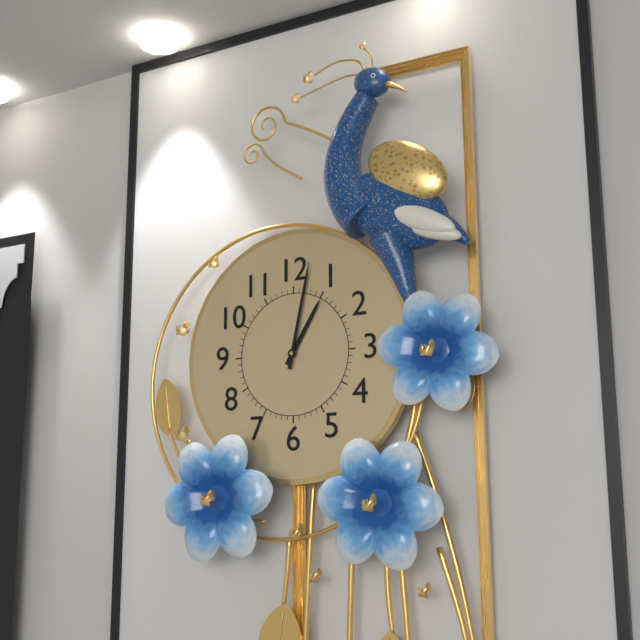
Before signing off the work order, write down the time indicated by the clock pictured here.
1:02
